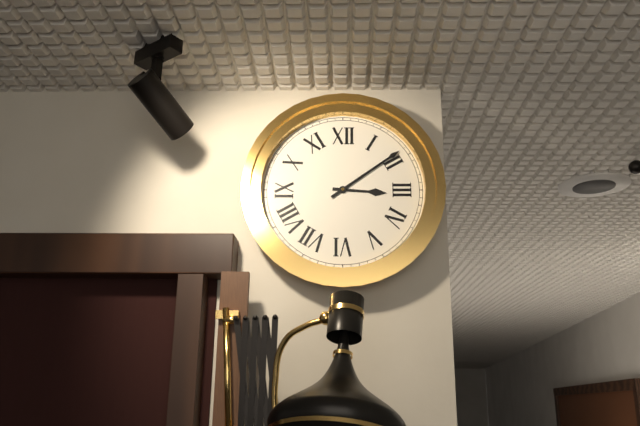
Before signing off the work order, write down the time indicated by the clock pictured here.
3:09
